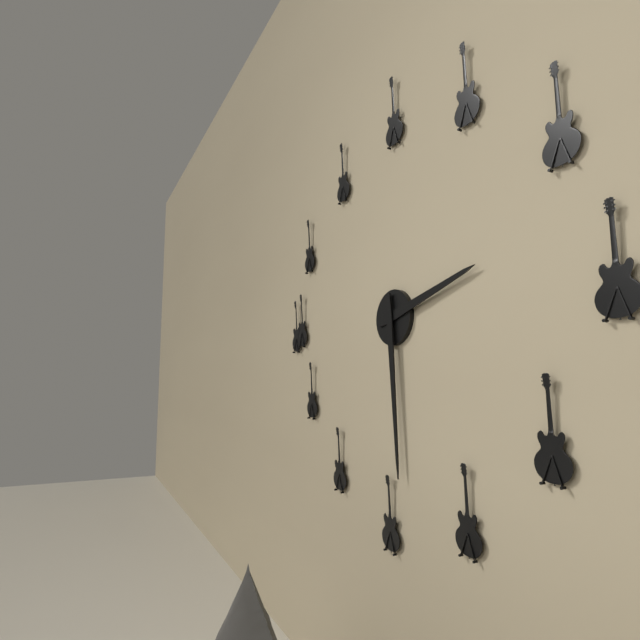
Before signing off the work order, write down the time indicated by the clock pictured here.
2:29
